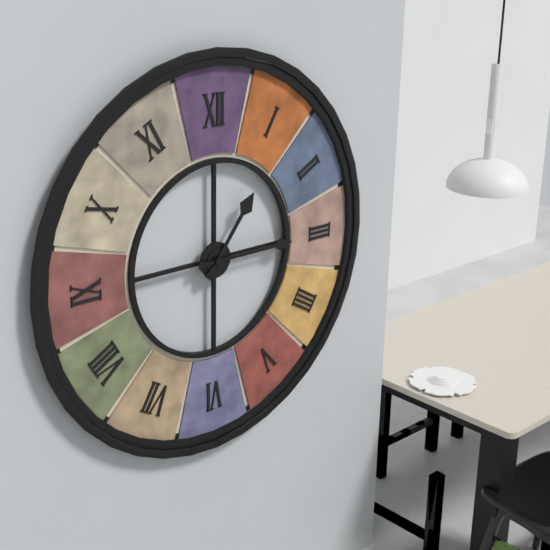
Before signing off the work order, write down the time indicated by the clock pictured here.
1:15
